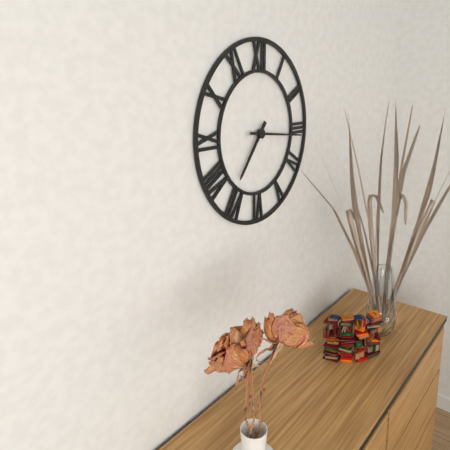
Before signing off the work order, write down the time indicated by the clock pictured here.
7:16
